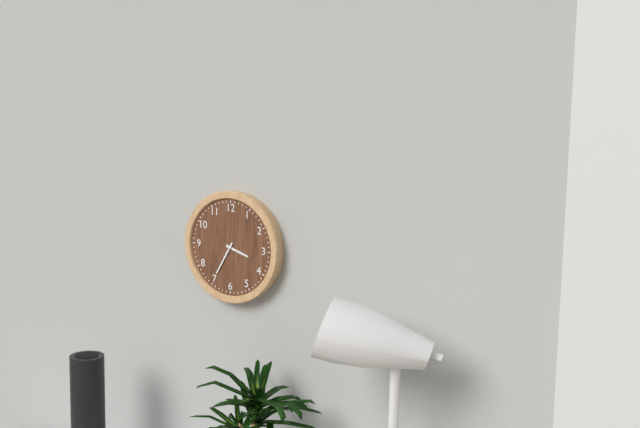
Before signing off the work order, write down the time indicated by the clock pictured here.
3:35
